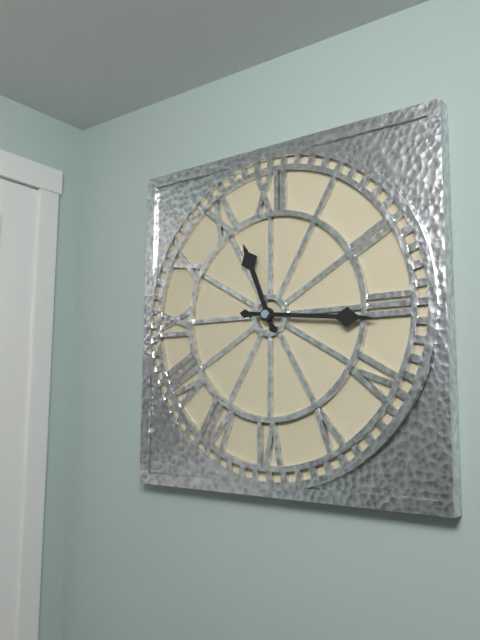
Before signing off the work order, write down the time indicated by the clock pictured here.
11:16
